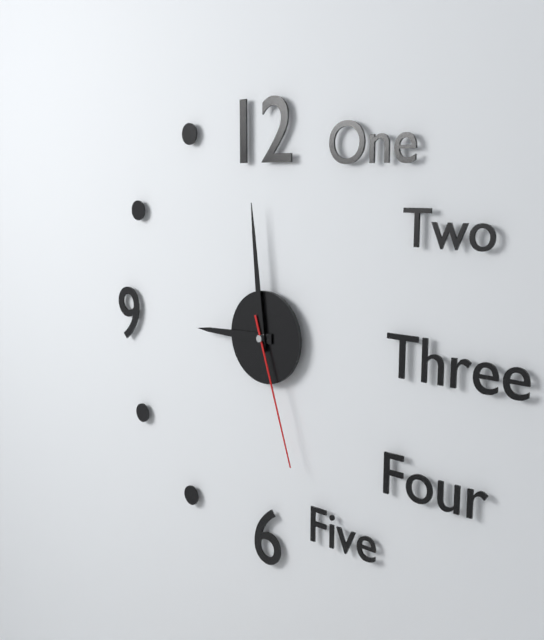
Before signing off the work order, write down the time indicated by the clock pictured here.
8:59:27
